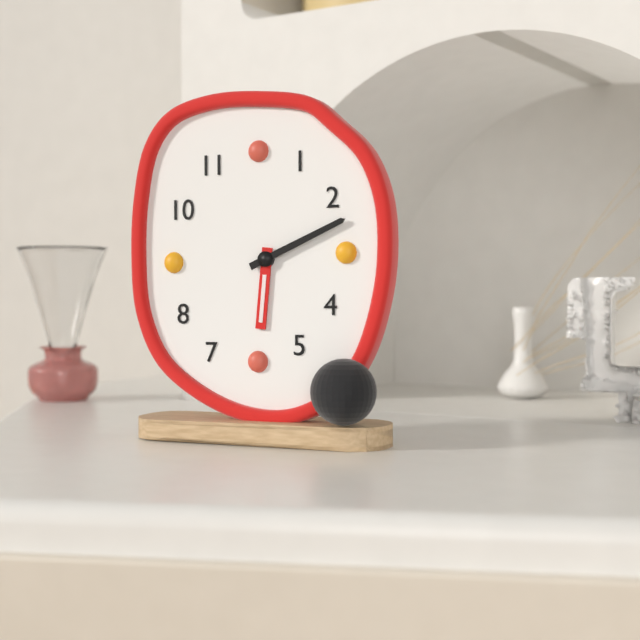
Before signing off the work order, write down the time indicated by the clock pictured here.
6:11
